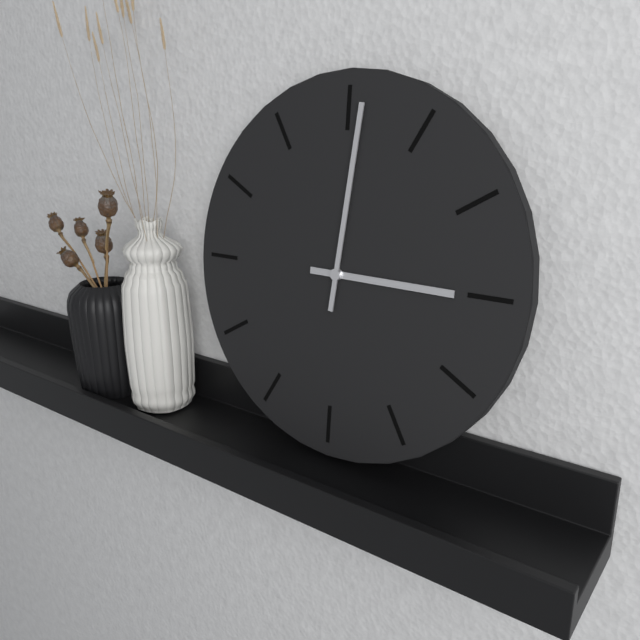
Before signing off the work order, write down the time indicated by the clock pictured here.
3:01
